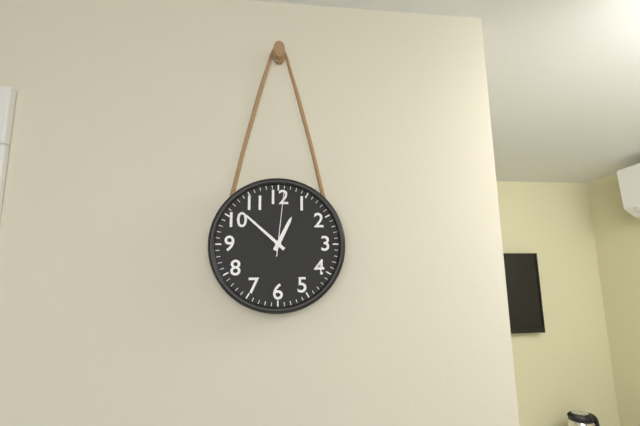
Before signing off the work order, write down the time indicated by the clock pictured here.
12:52:01
